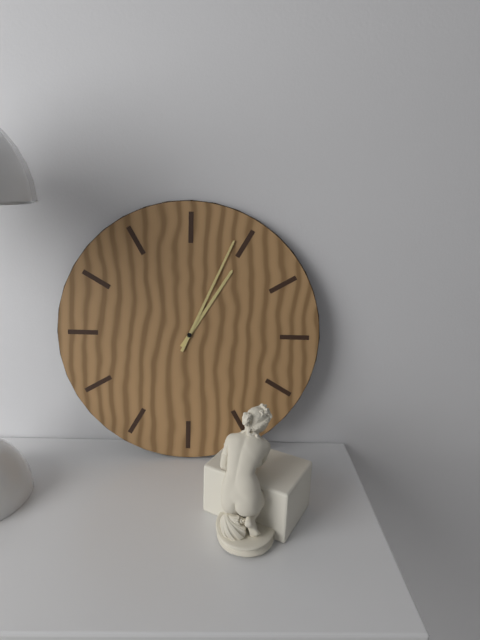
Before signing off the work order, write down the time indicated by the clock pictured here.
1:04
